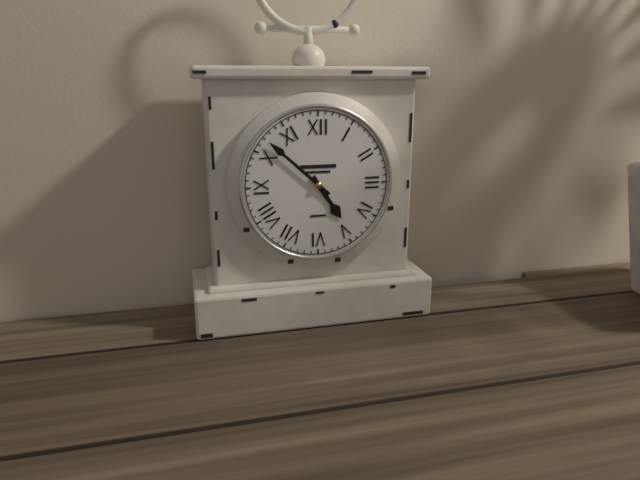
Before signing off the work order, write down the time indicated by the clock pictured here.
4:52
